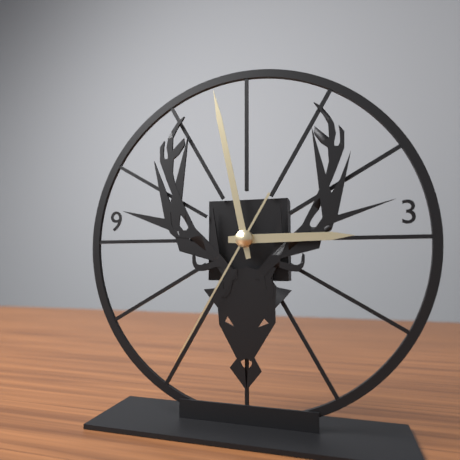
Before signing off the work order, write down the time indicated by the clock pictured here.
2:58:35
